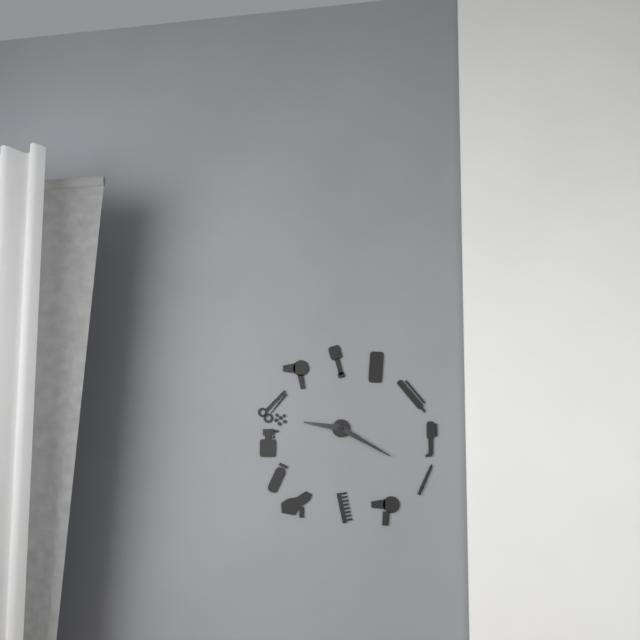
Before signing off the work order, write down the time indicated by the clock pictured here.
9:20
